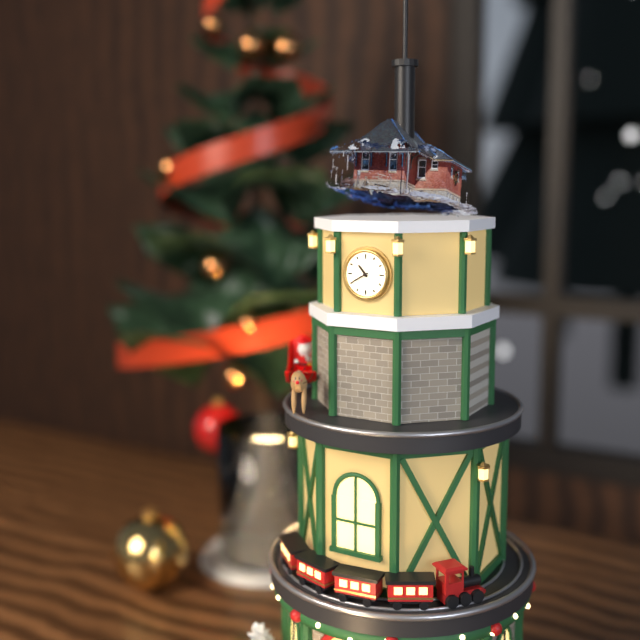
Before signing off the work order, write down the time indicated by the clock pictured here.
10:40
